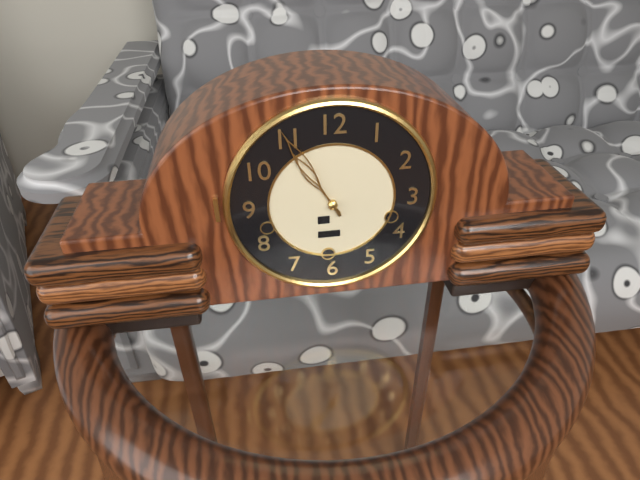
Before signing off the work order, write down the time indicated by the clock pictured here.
10:55
